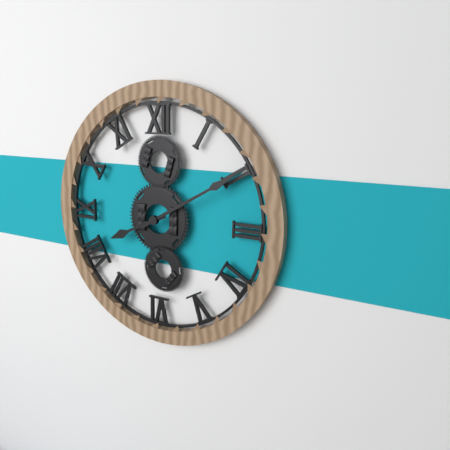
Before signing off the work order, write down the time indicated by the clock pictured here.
8:10
